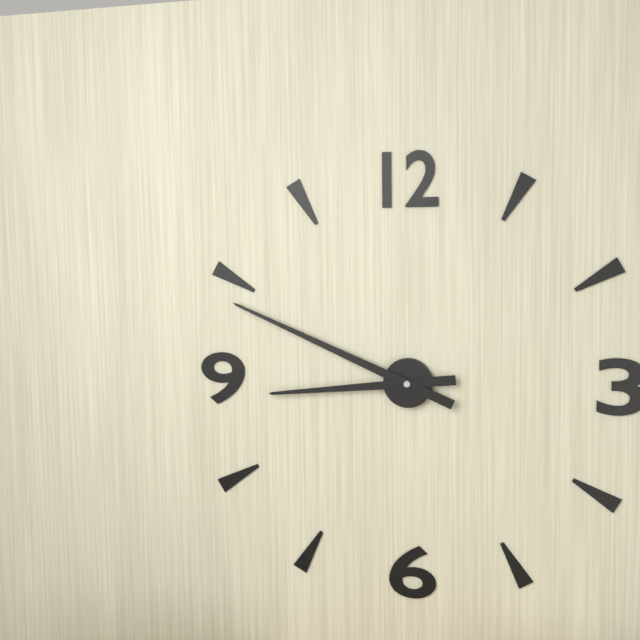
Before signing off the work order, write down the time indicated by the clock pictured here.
8:49
